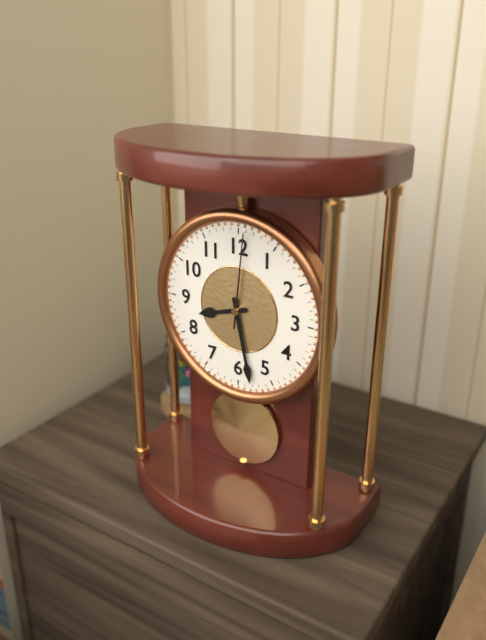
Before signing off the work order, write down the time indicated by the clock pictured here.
8:28:01
